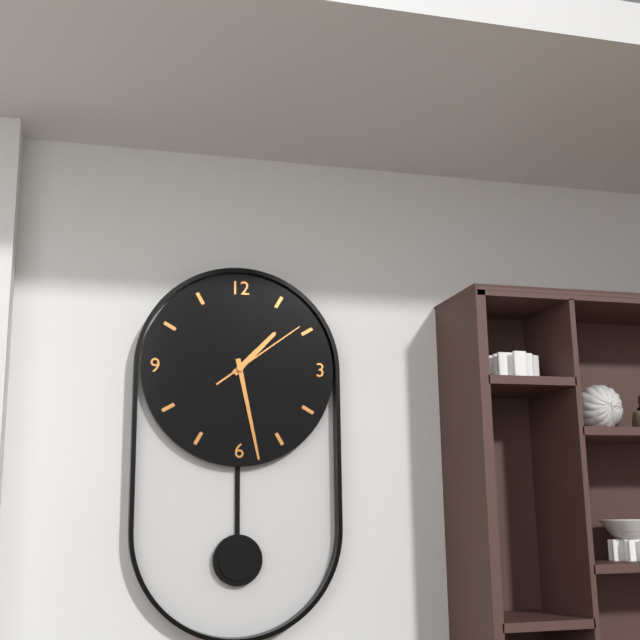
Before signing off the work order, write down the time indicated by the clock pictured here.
1:28:09
